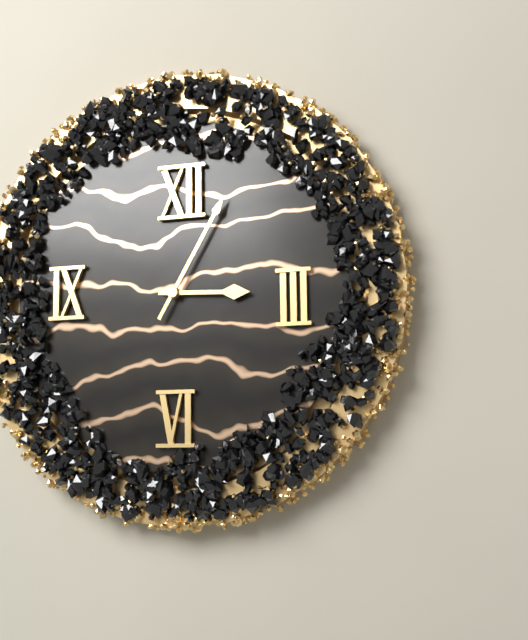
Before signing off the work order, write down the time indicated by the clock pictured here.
3:05
